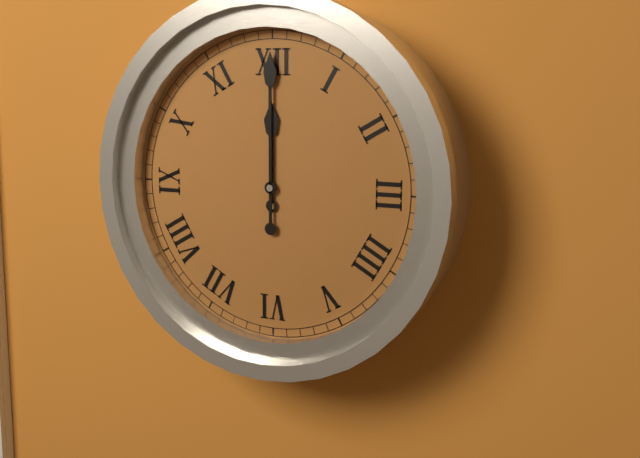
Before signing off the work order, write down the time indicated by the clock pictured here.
12:00
